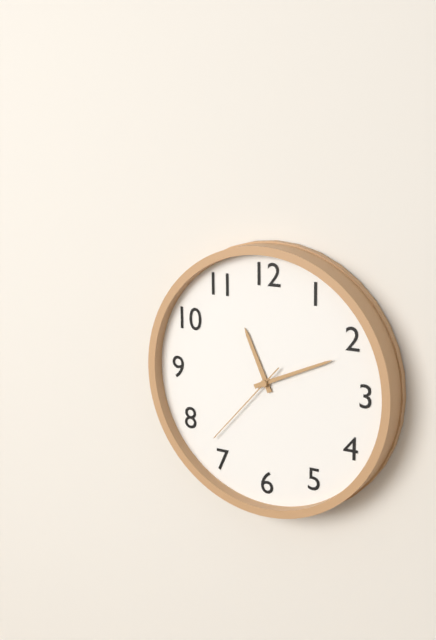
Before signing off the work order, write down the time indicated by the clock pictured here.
11:11:37
